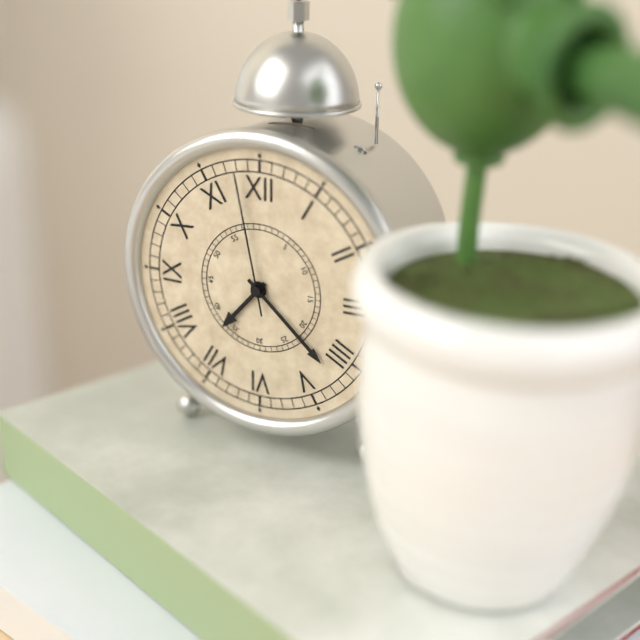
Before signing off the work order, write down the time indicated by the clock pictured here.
7:22:58
